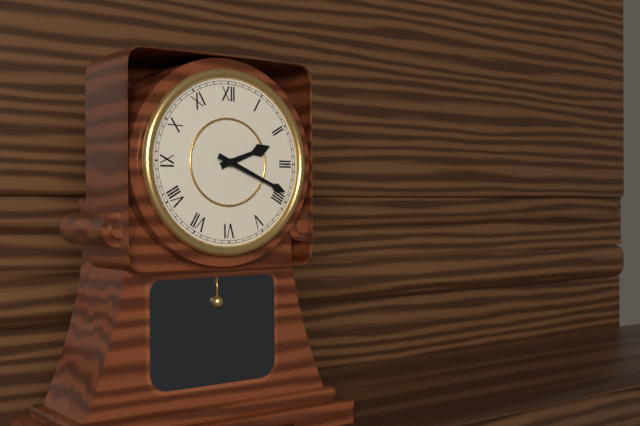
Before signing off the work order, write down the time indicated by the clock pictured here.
2:19
